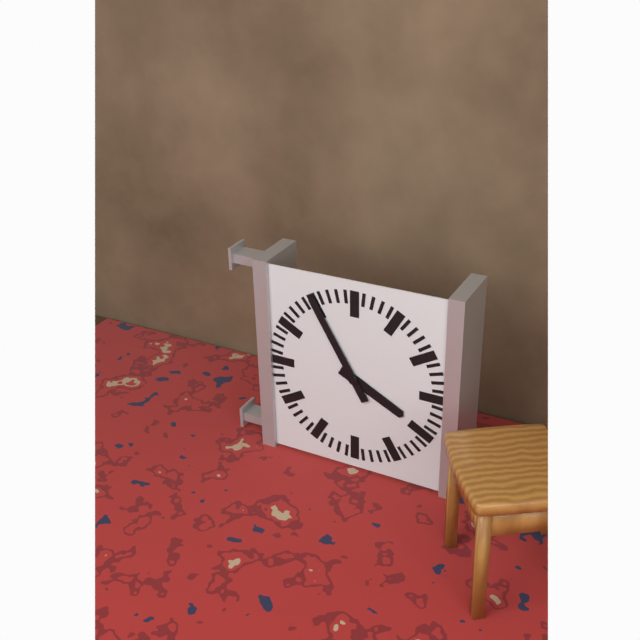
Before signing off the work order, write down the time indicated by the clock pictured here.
3:55
